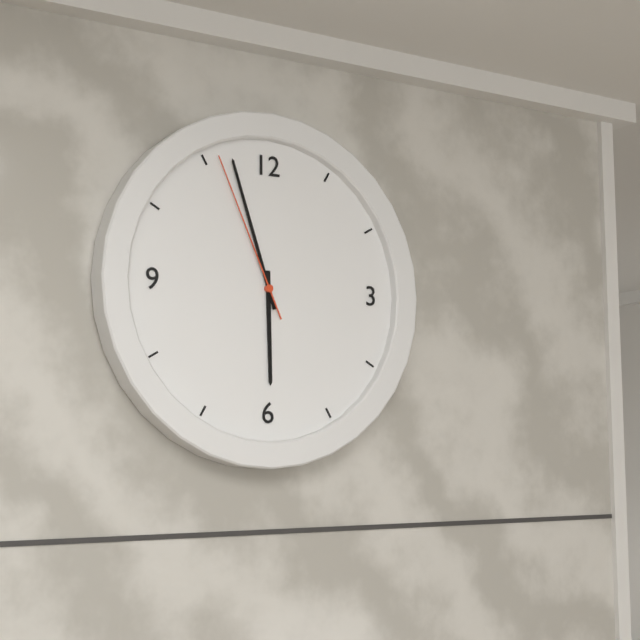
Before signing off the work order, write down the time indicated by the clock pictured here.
5:57:56
